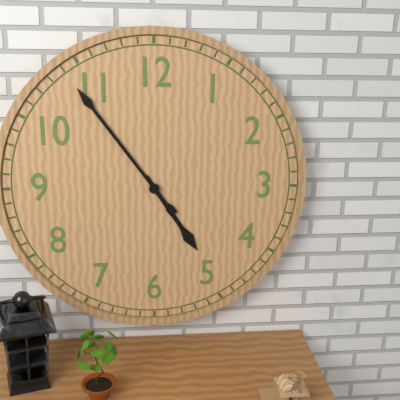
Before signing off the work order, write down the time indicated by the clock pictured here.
4:54
